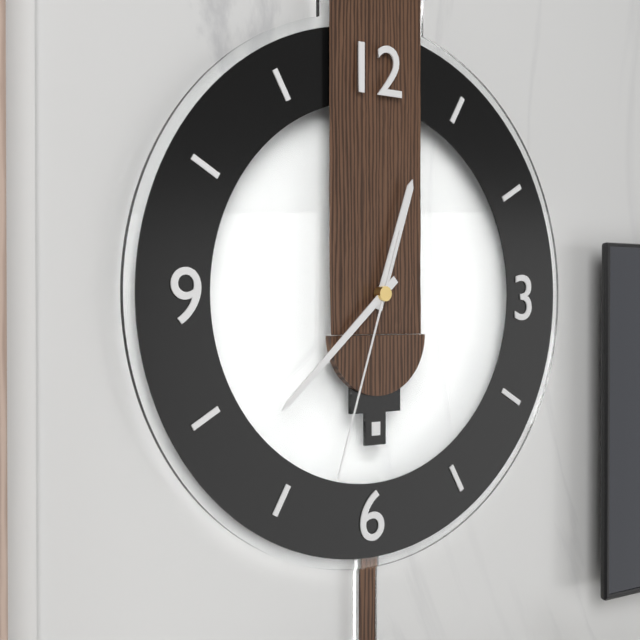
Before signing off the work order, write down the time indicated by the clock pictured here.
12:38:33
